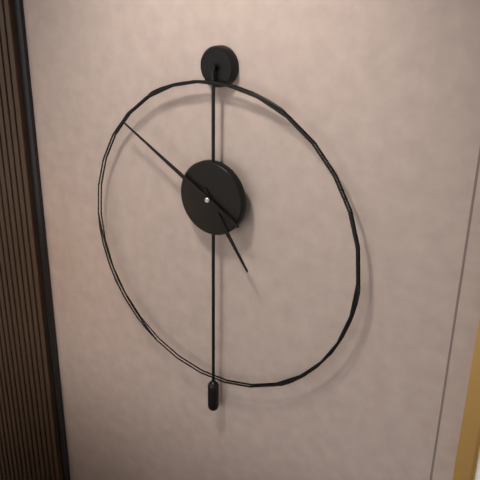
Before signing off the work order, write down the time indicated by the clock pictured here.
4:50
